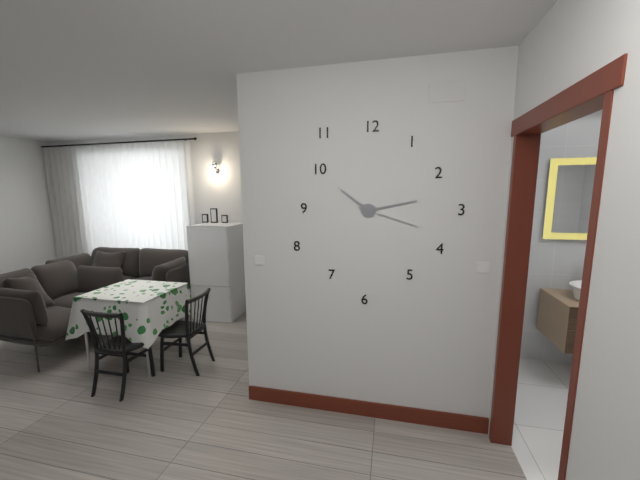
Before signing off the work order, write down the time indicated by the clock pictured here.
10:13:18
